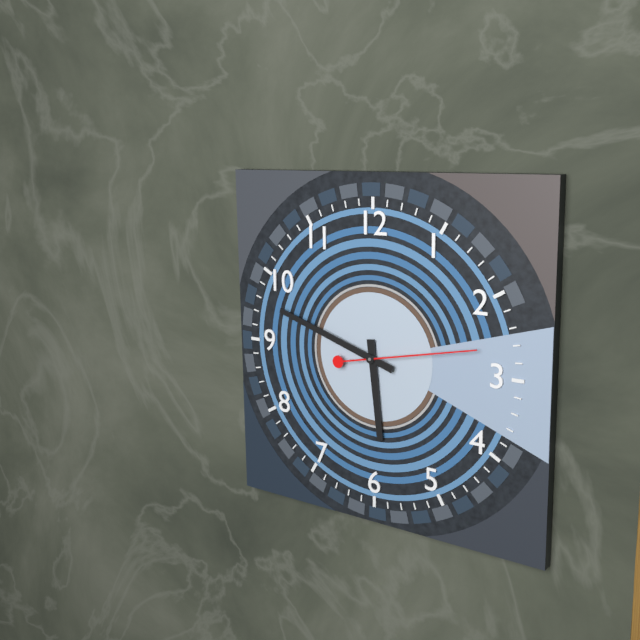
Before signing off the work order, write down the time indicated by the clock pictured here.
5:48:13
